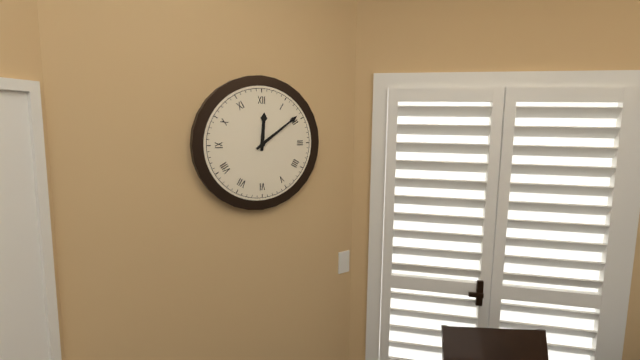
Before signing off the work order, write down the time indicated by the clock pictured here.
12:09
